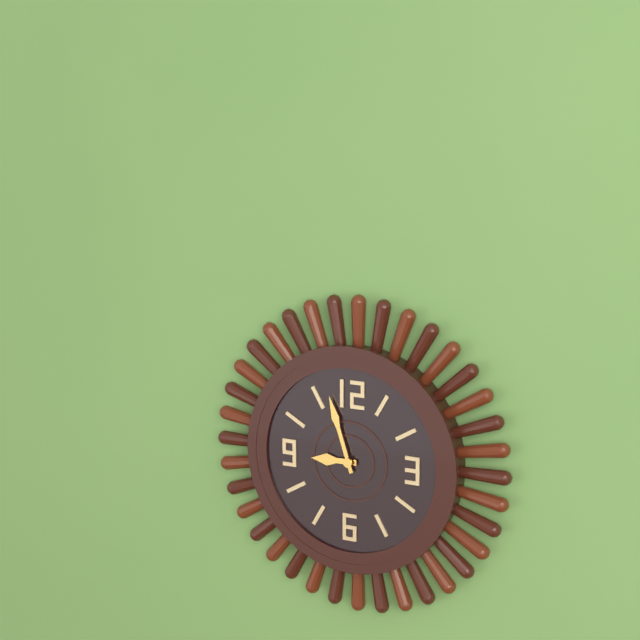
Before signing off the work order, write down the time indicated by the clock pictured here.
8:57
